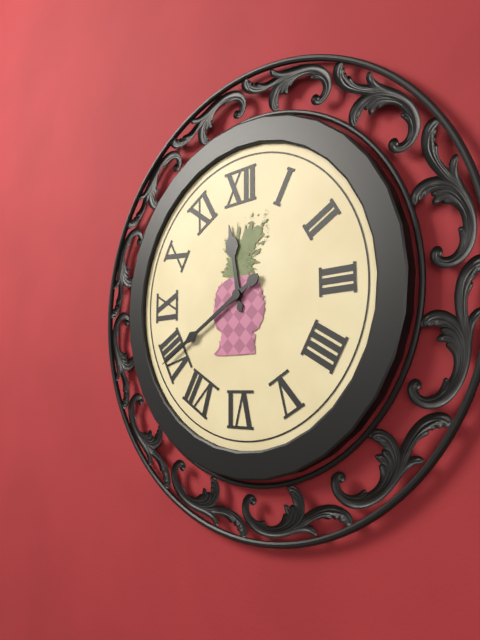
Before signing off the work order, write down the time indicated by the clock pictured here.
11:40
